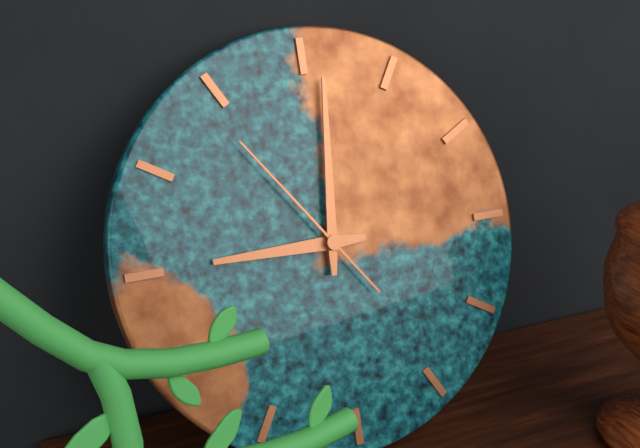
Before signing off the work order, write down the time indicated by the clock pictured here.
9:01:54
